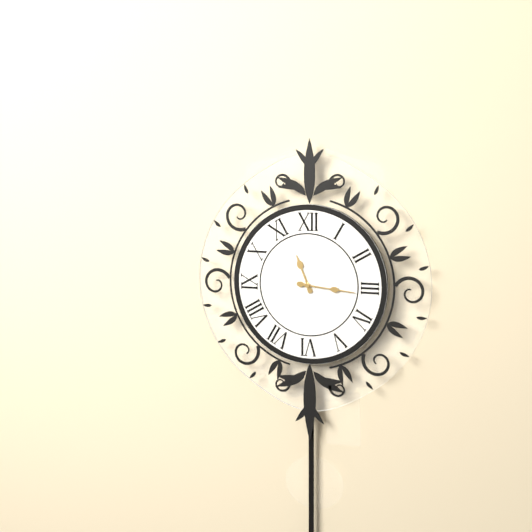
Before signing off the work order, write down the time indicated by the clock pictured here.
11:16
